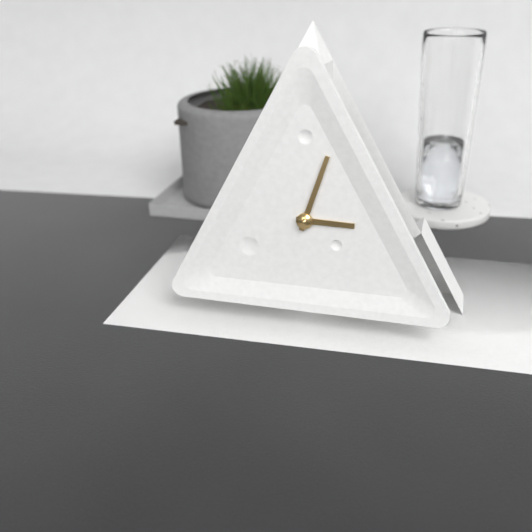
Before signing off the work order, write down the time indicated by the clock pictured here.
3:03
